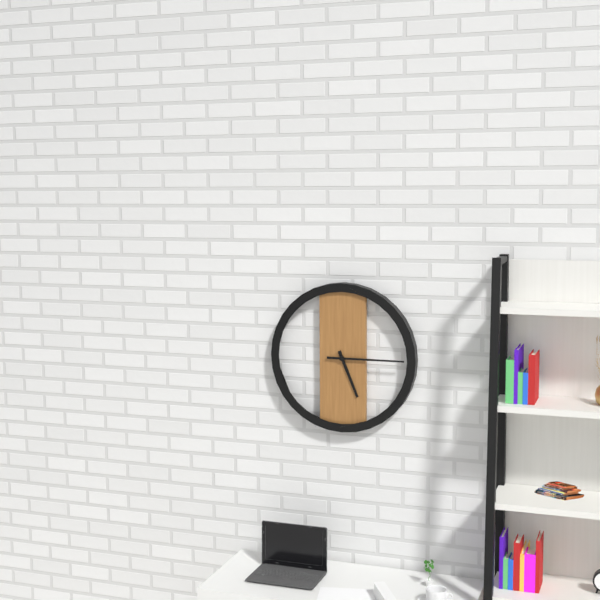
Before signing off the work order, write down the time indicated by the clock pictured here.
5:15
